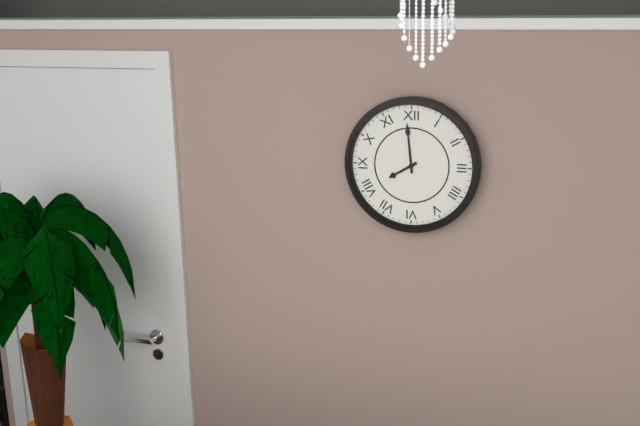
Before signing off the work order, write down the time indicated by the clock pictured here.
7:59
